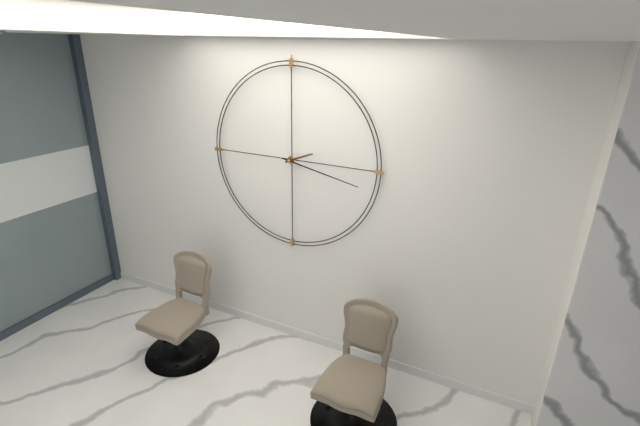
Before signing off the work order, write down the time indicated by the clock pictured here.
2:17
